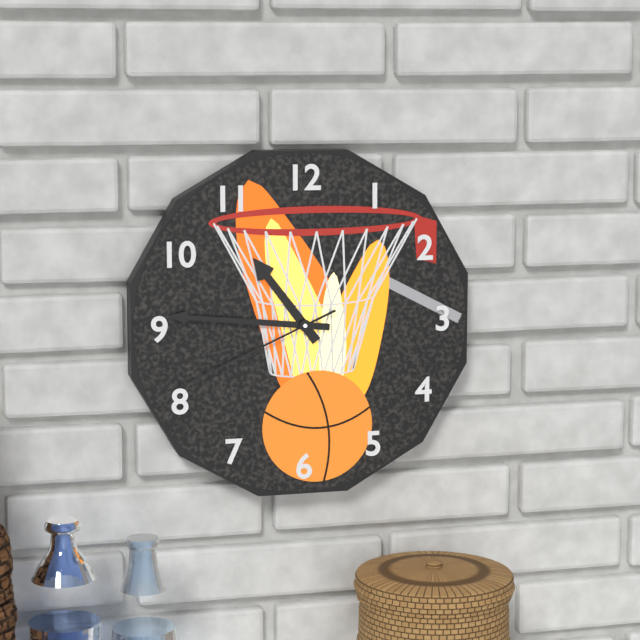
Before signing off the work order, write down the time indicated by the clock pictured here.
10:46:41
